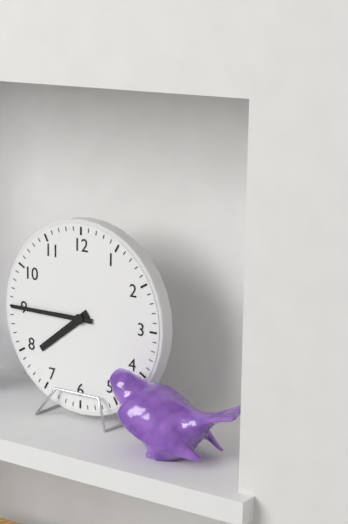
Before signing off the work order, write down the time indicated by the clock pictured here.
7:45
